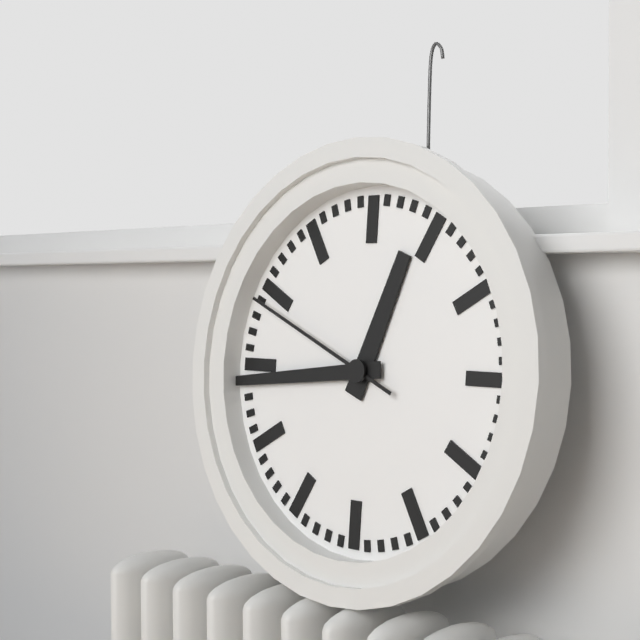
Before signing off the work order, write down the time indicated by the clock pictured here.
12:44:49
